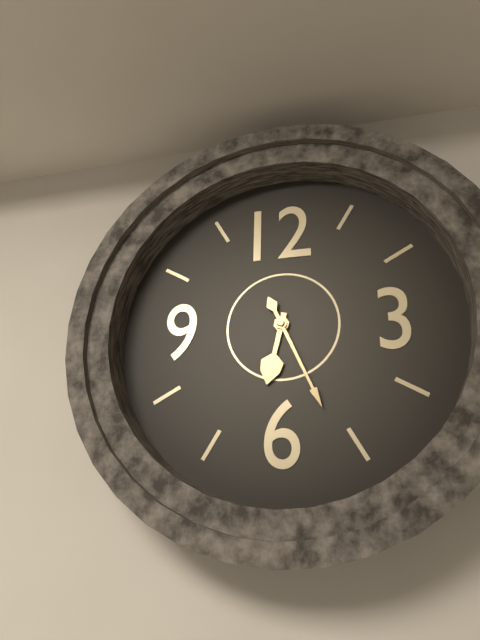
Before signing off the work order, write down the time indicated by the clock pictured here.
6:26
